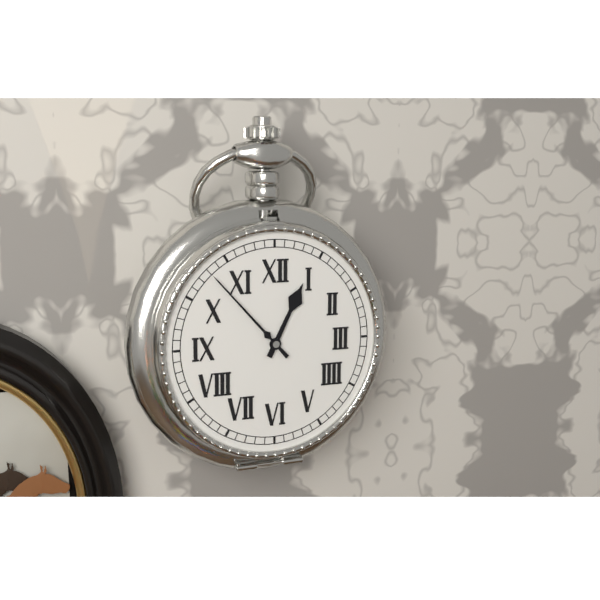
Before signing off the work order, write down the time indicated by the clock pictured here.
12:53
